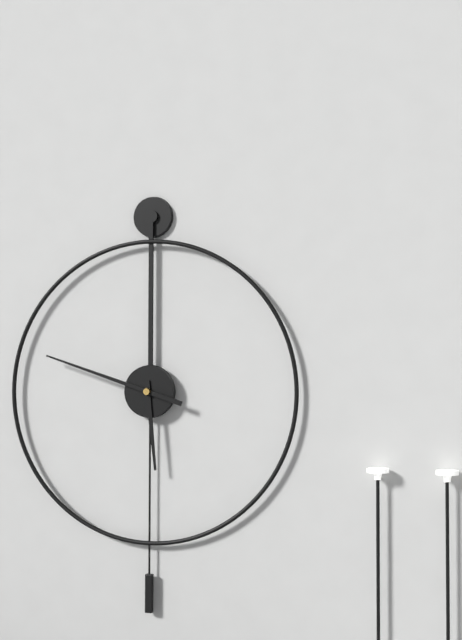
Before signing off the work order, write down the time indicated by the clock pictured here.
5:48
